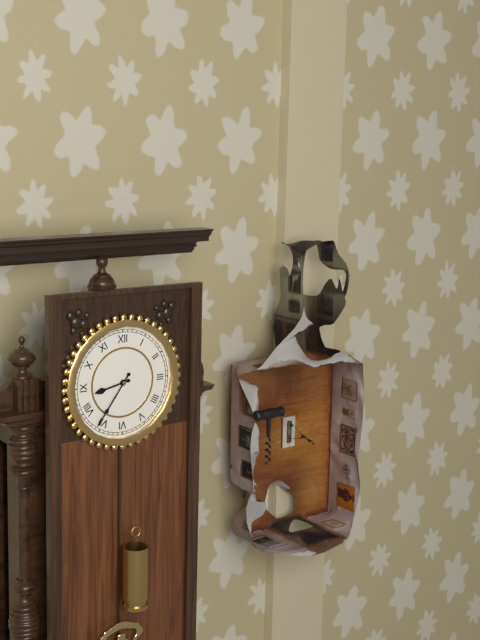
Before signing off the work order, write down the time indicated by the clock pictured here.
8:36
